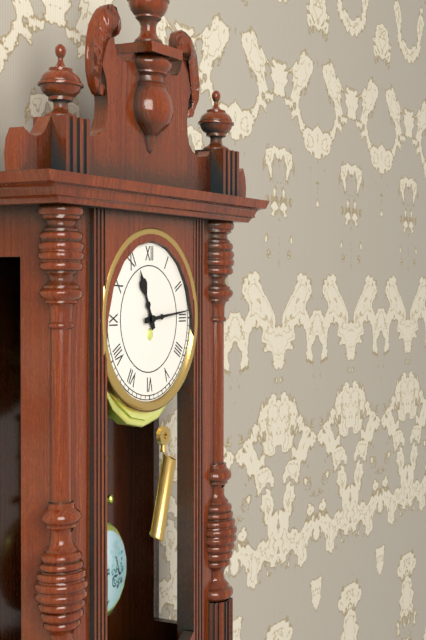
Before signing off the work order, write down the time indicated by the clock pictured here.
11:14
